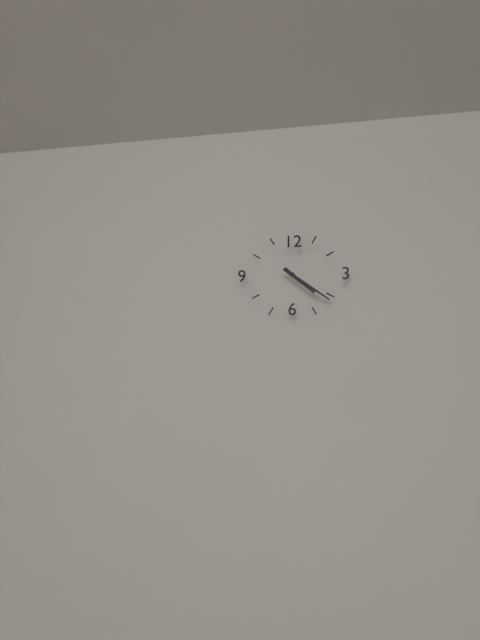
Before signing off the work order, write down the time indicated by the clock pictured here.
4:21
